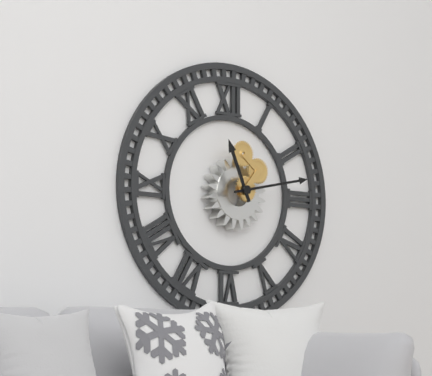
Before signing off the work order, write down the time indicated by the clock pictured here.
11:13
